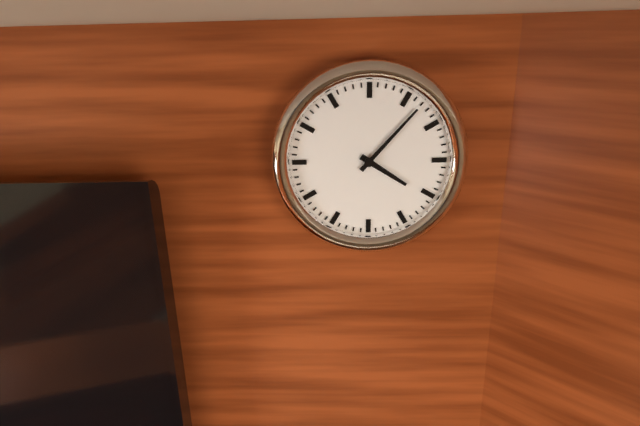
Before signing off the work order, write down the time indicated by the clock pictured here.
4:07
